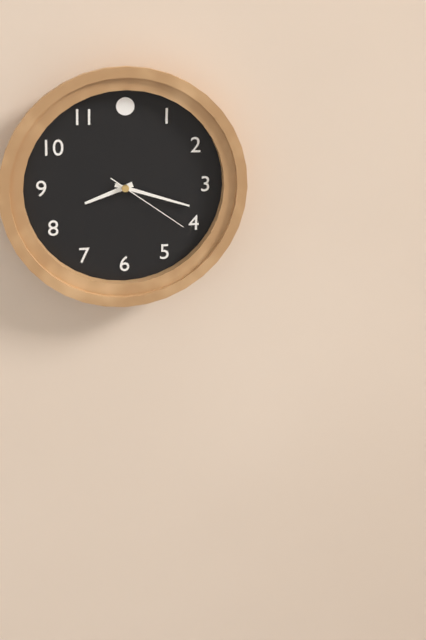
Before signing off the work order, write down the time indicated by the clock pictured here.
8:18:21
